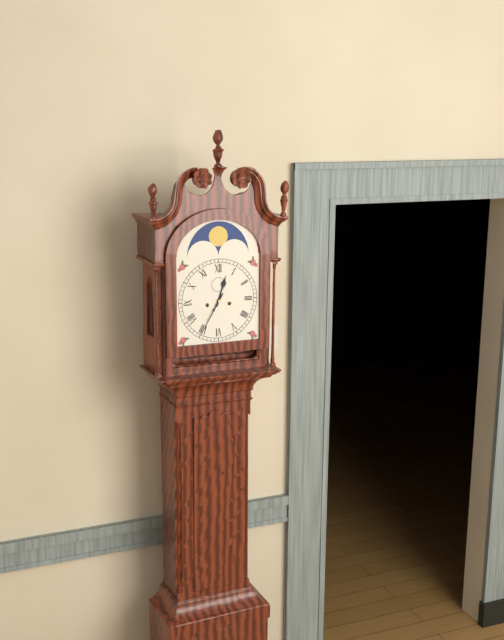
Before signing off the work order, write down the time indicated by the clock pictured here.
12:35
